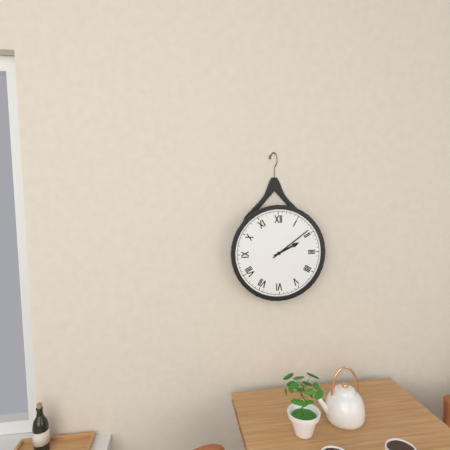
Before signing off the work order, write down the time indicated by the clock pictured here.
2:09
